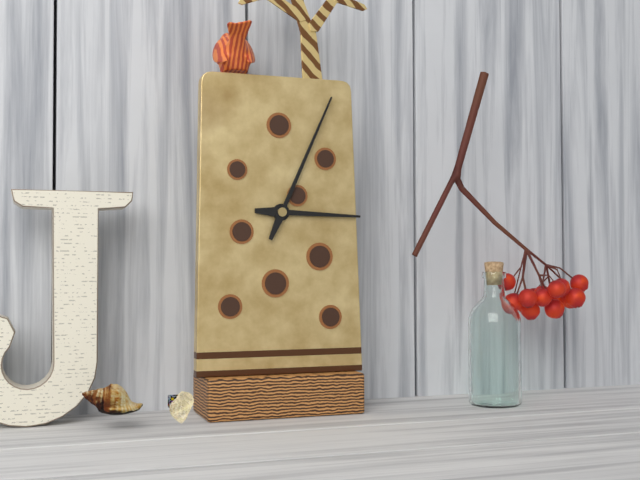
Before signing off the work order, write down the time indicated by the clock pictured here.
3:04
